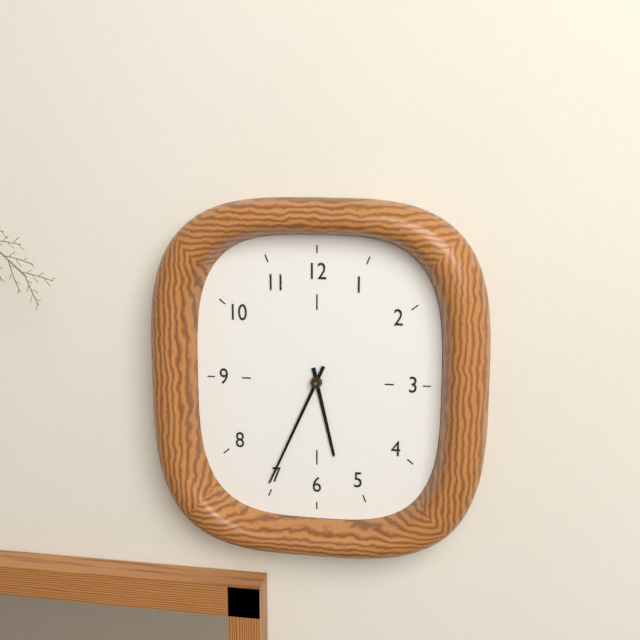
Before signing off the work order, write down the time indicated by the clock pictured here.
5:34
